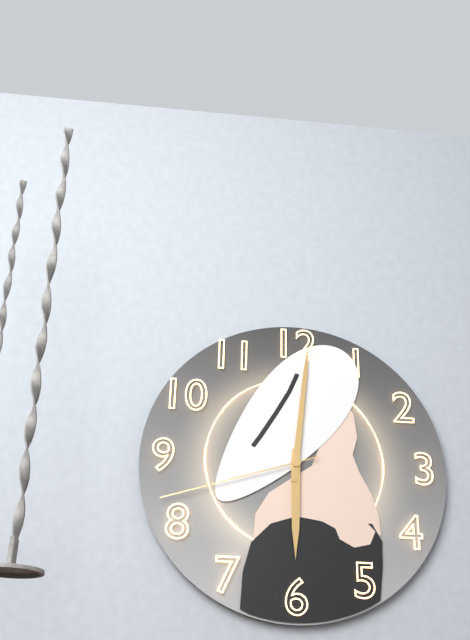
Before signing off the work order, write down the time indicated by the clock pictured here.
6:01:42
